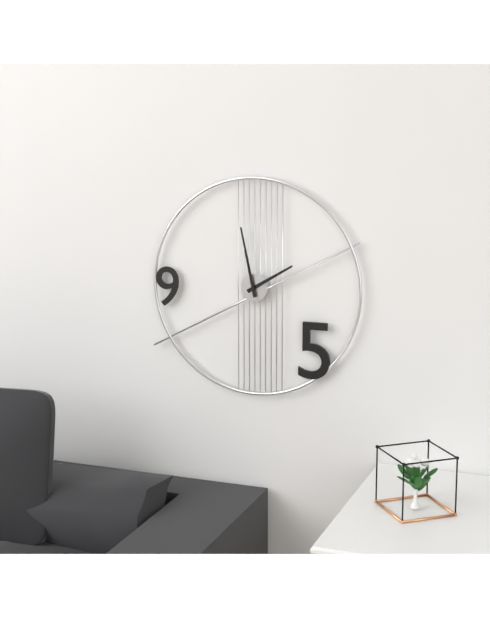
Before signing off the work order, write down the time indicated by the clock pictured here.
1:58
